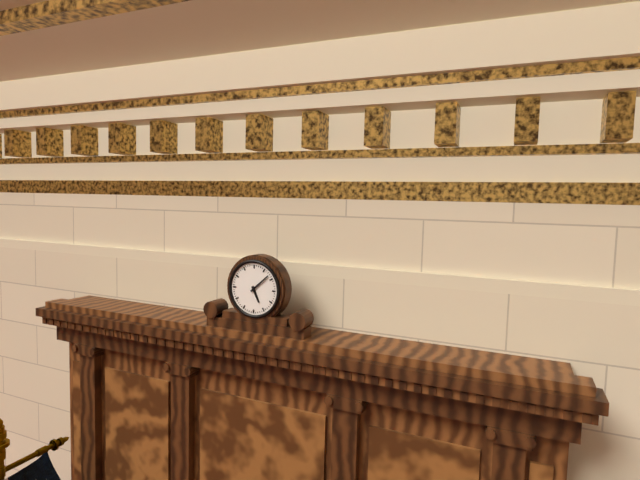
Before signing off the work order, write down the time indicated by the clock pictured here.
5:08
